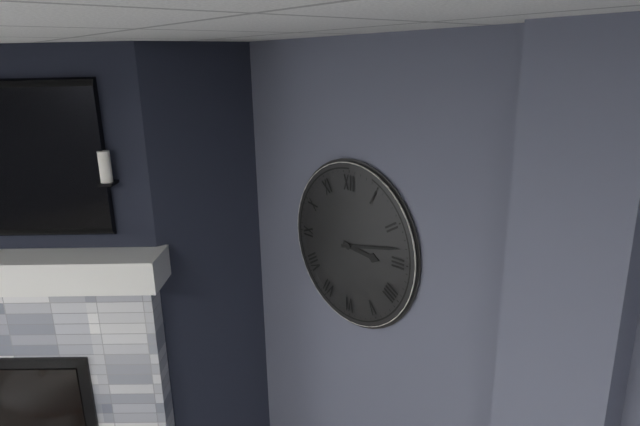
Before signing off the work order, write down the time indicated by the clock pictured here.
3:13
